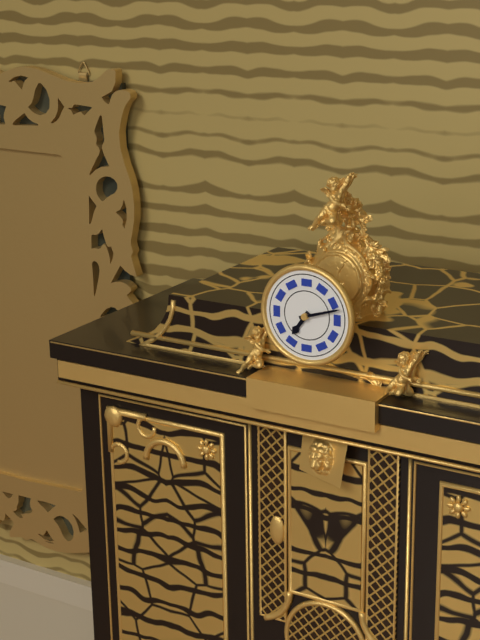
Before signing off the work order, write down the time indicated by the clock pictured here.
7:12
